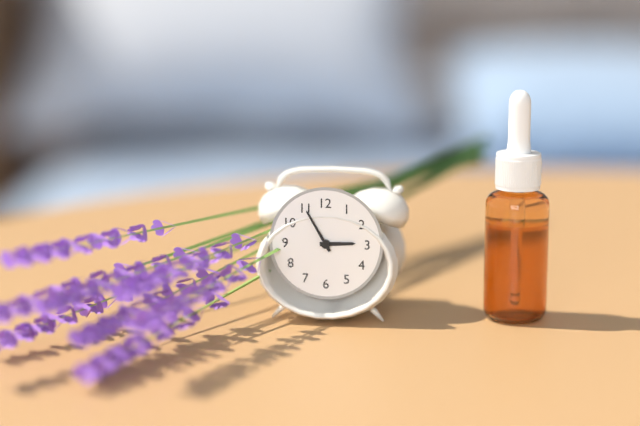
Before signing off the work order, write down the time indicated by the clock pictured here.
2:55
